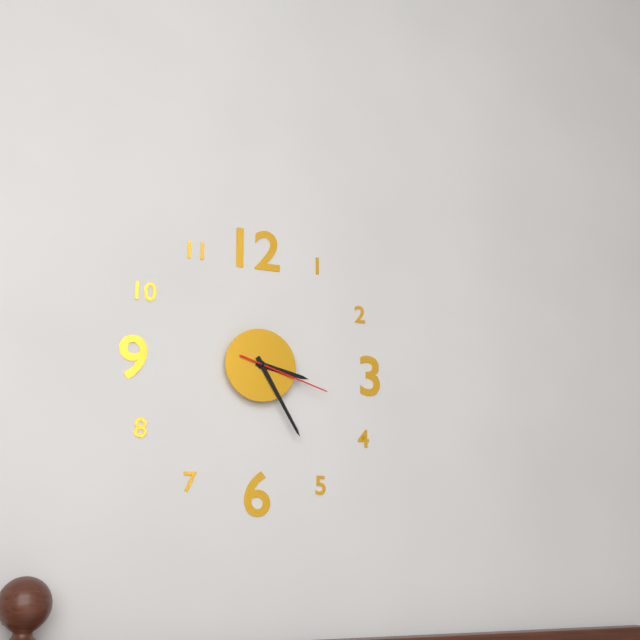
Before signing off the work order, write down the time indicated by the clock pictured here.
3:25:18
